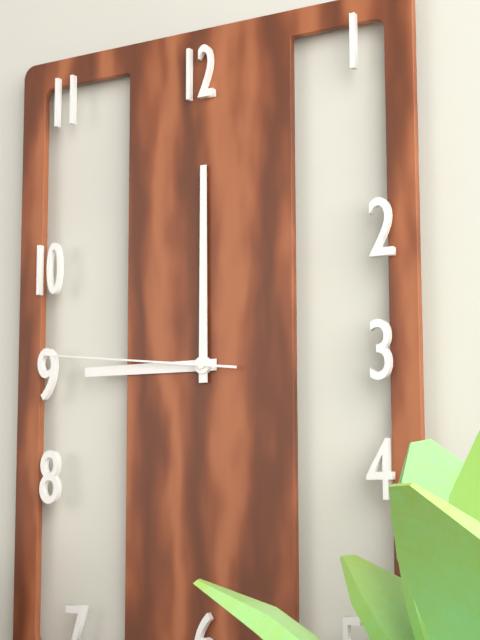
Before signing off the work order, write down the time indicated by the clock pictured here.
9:00:46
